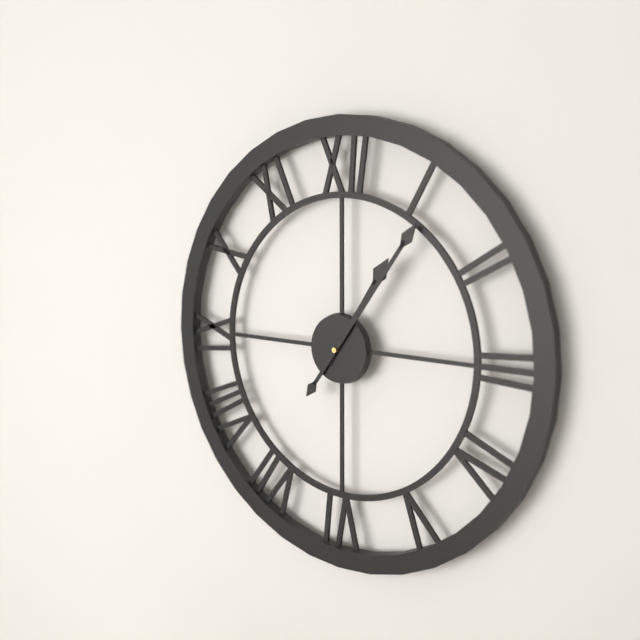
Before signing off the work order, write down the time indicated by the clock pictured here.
1:06
